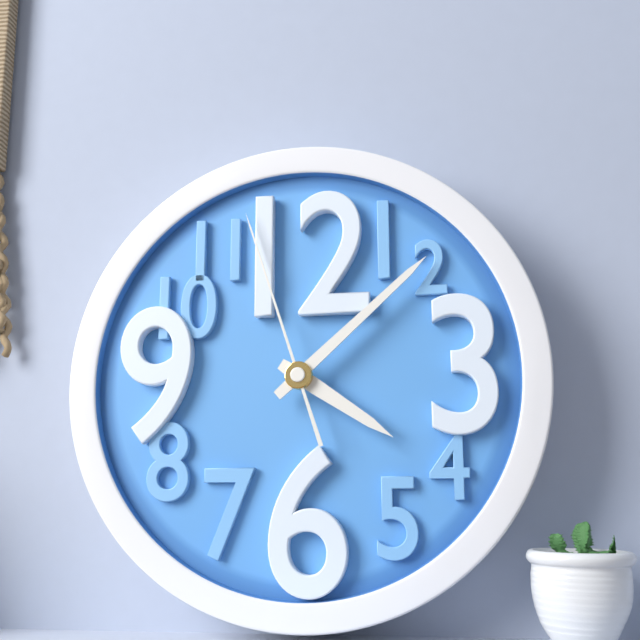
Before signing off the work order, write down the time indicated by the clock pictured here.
4:08:57
